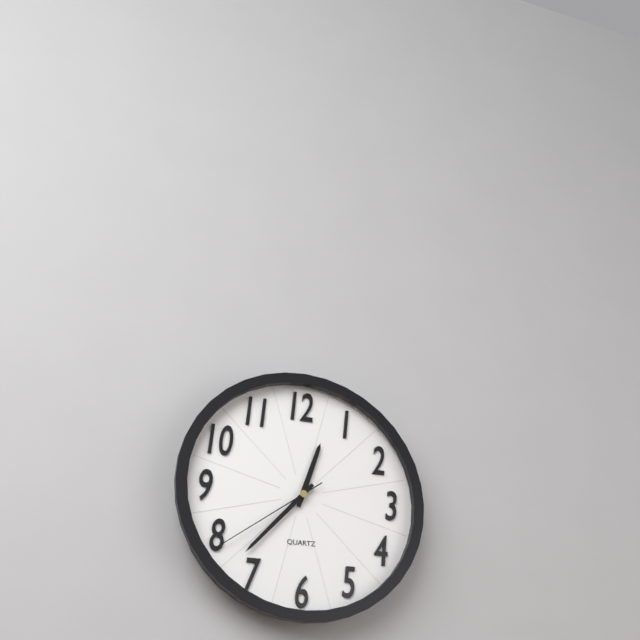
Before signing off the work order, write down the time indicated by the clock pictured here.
12:37:39
